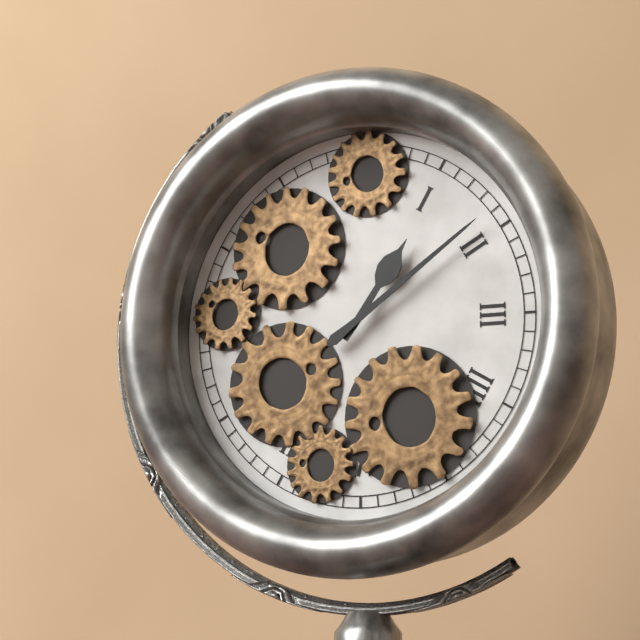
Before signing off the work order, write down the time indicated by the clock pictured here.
1:09
